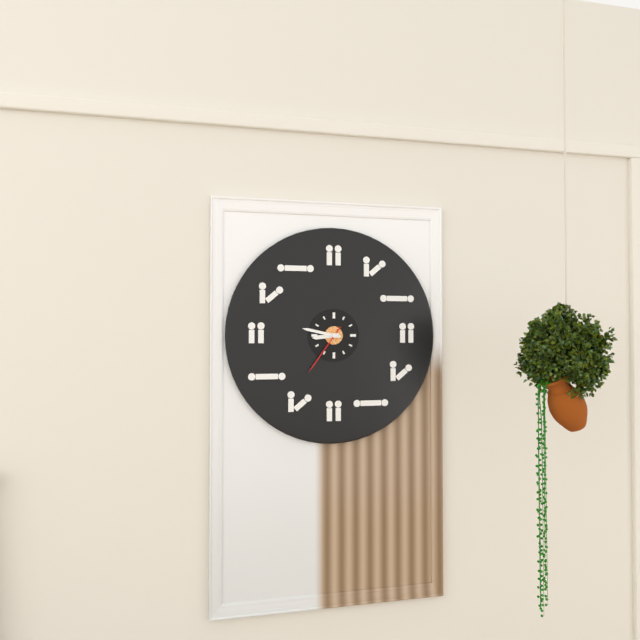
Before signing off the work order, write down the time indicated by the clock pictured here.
8:47:36
